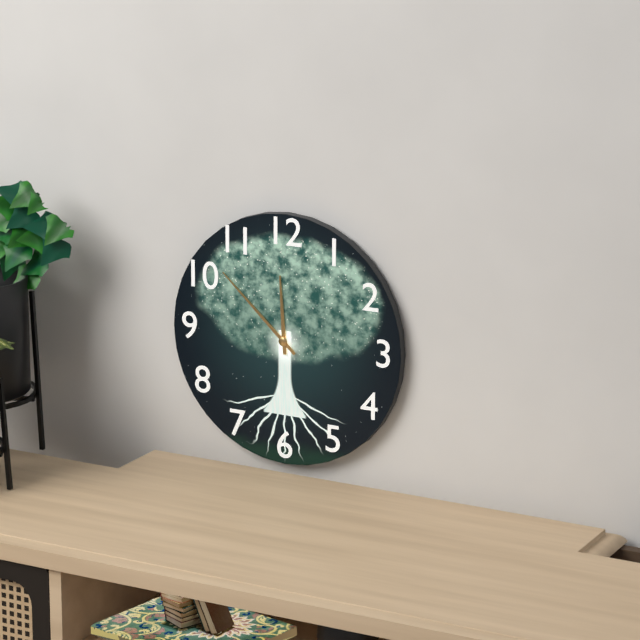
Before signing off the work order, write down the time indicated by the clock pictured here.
11:52
